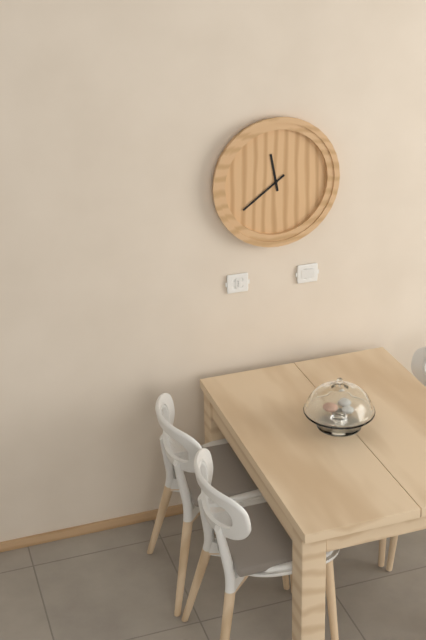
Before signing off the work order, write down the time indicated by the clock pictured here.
11:39
